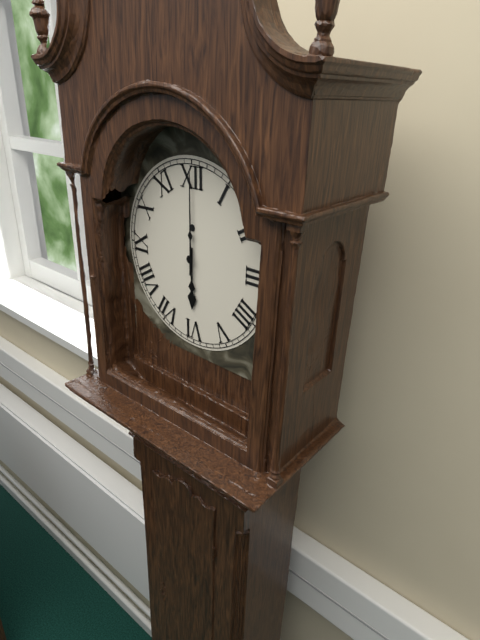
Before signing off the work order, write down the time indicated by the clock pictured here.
6:00
